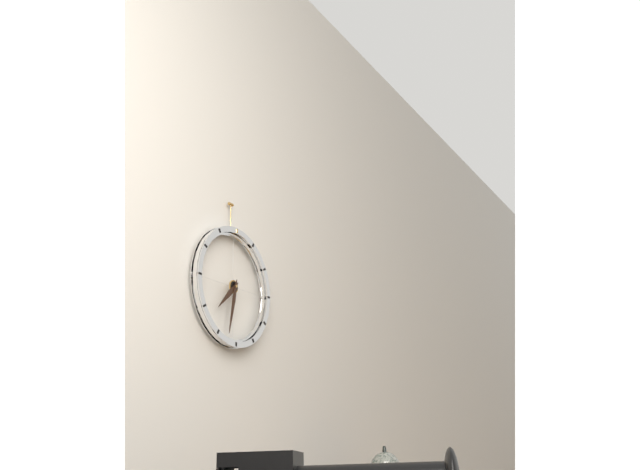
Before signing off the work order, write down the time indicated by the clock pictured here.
7:32
